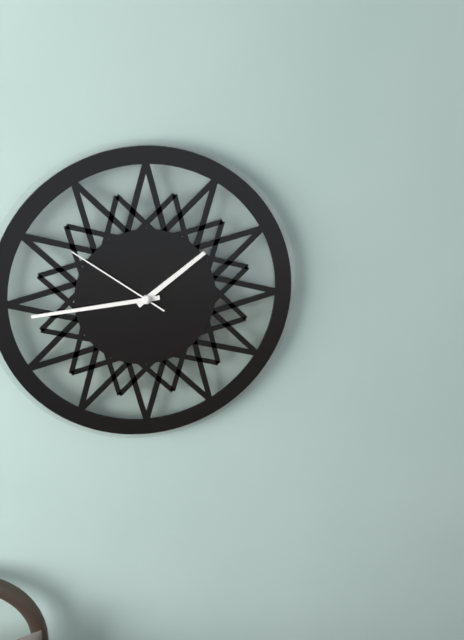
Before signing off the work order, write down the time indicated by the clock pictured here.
1:44:51
